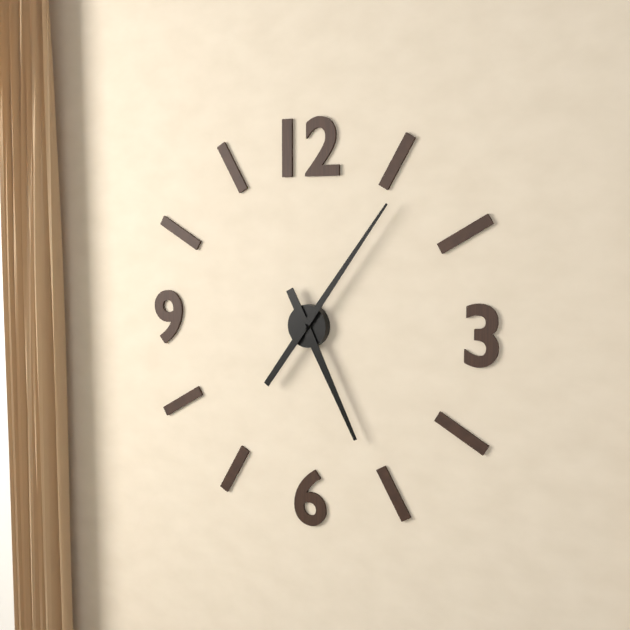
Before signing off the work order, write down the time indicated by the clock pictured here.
5:06
